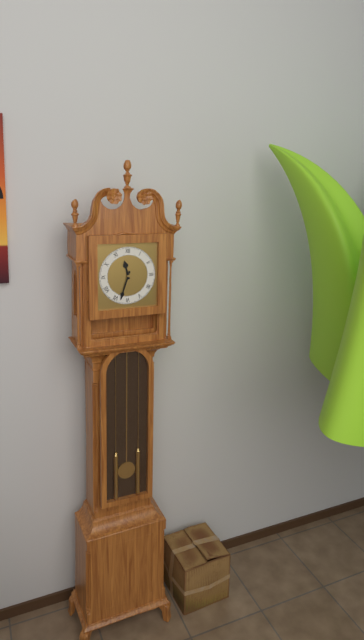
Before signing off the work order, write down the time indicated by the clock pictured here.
11:33
